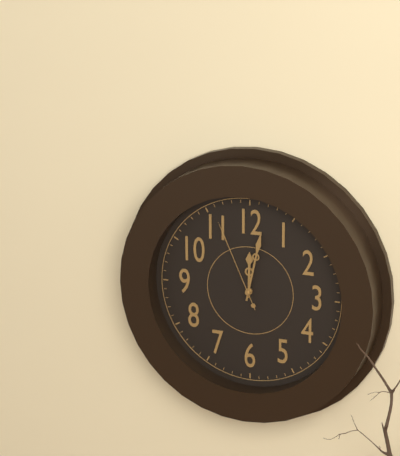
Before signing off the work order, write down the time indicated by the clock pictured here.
12:02:56
